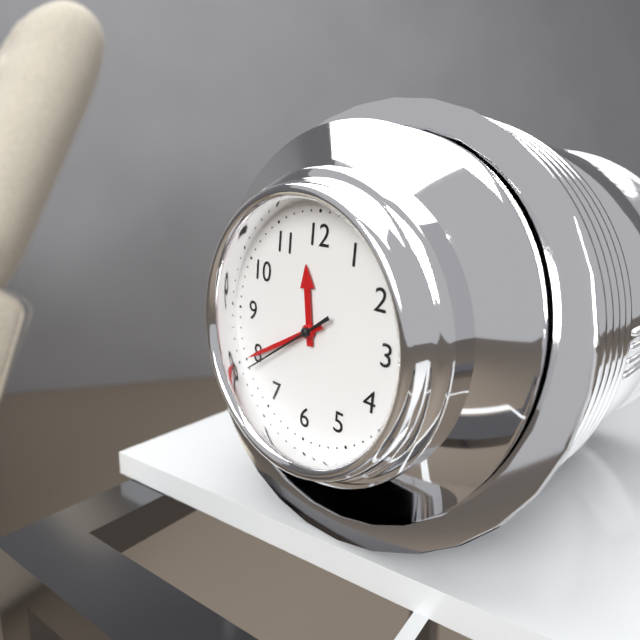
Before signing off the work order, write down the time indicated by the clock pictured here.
11:40:39
